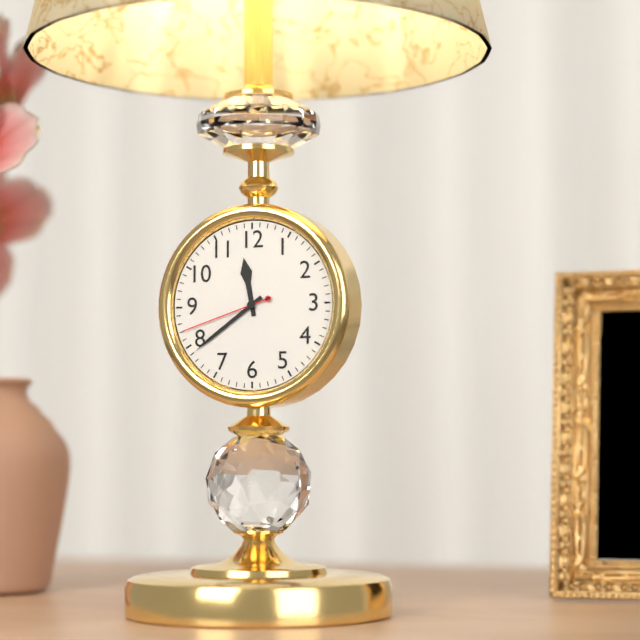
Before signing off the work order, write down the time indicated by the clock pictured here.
11:39:42
